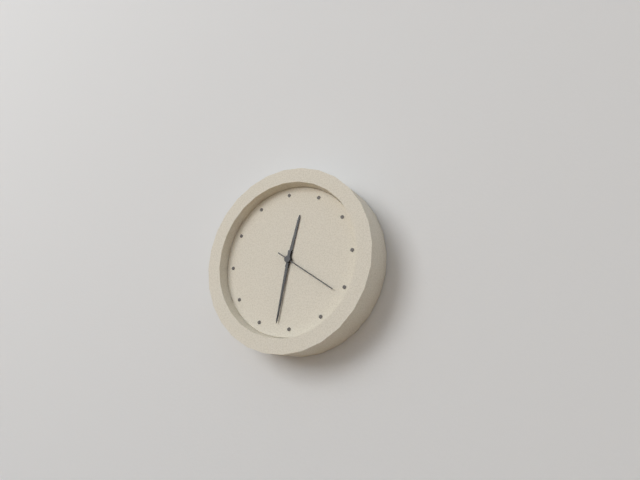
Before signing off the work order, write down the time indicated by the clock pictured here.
12:32:21
